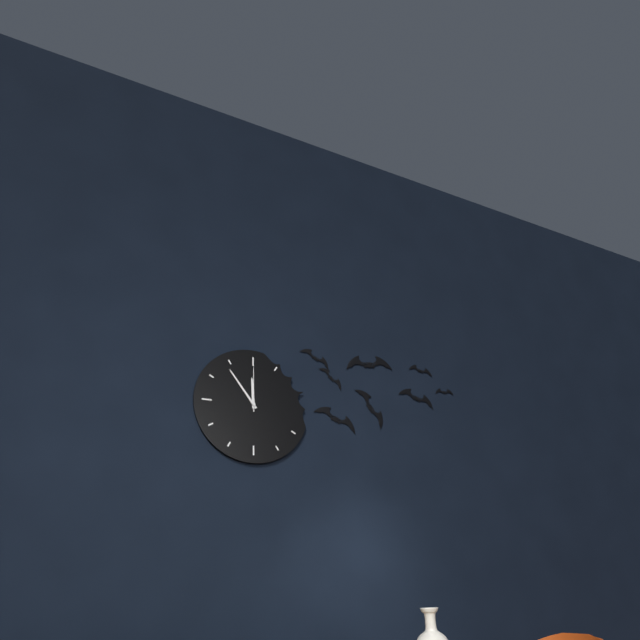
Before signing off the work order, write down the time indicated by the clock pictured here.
11:54
